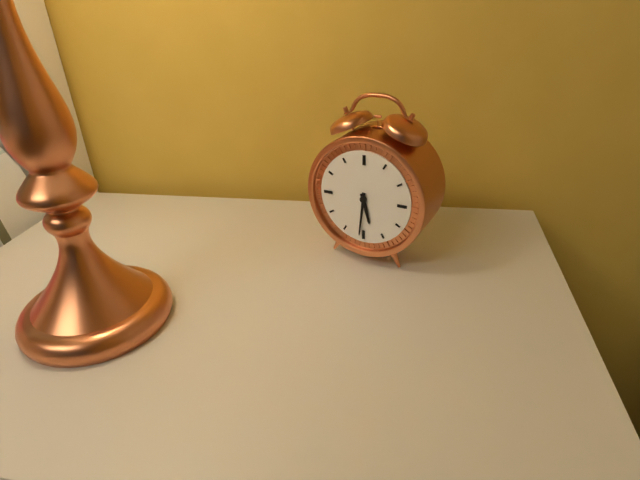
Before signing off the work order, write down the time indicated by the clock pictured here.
5:31
